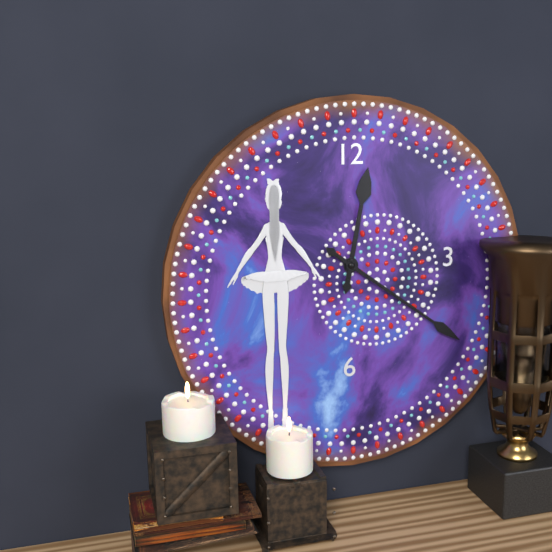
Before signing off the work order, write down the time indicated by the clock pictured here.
12:21
